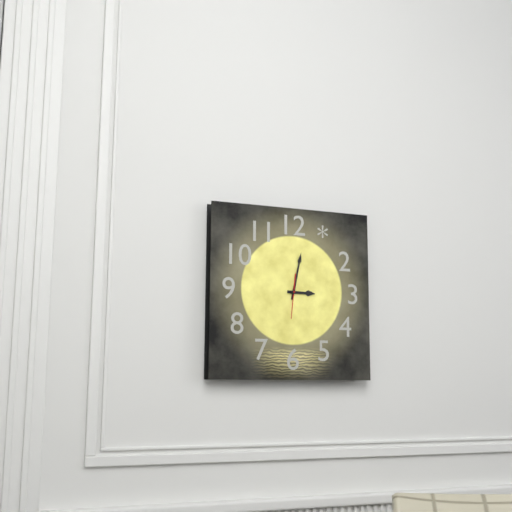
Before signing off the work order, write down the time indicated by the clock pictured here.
3:02
